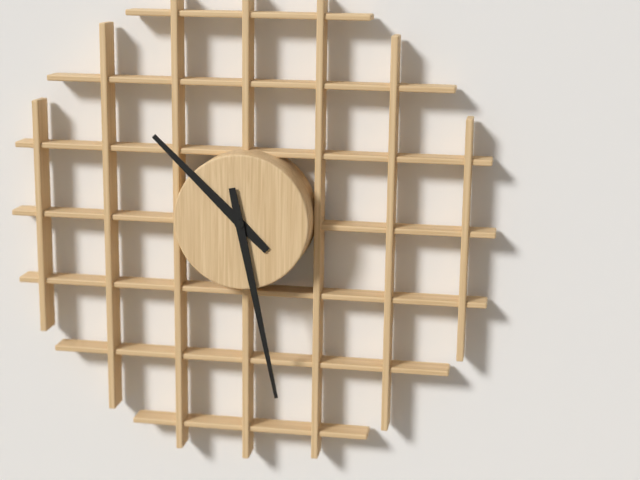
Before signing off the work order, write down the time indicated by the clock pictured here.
10:28
